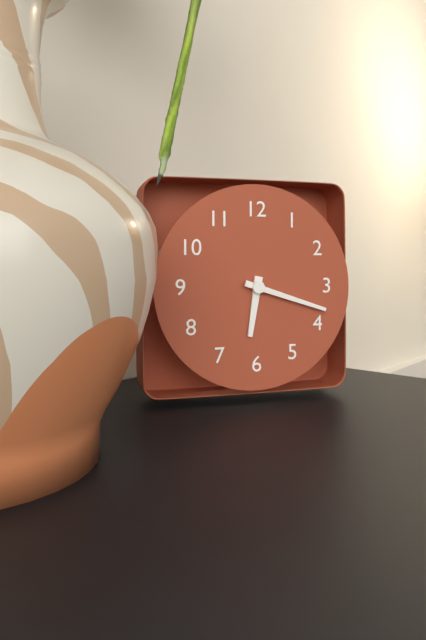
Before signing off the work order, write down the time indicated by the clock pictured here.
6:18
